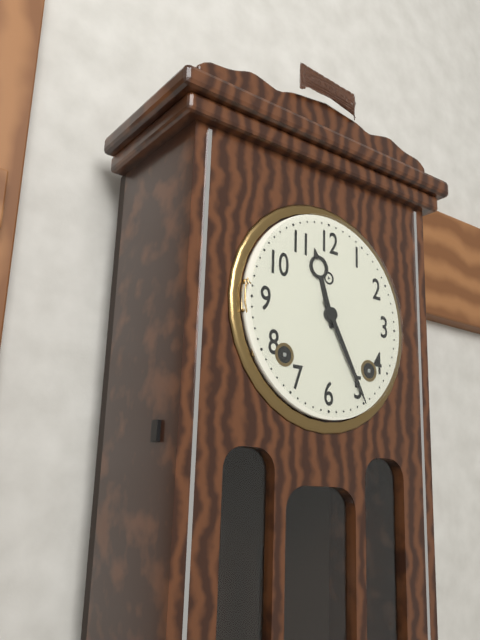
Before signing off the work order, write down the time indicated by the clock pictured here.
11:25
